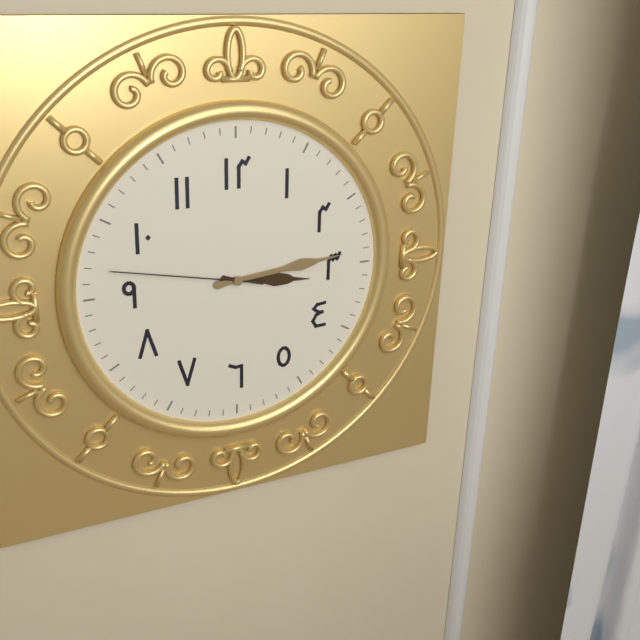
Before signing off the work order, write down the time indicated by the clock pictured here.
3:14:47
